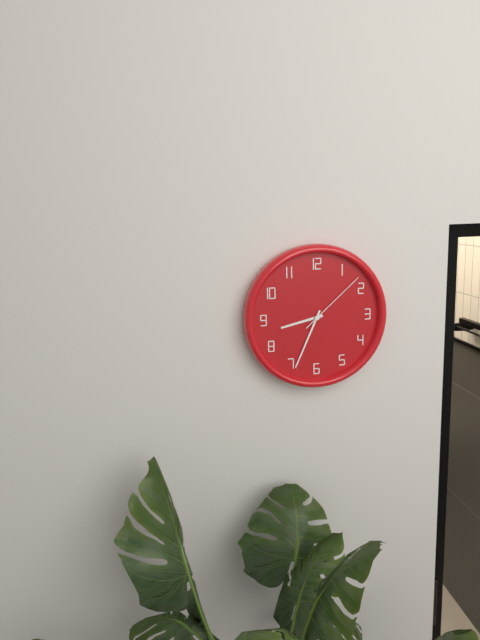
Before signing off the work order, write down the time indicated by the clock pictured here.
8:34:08
